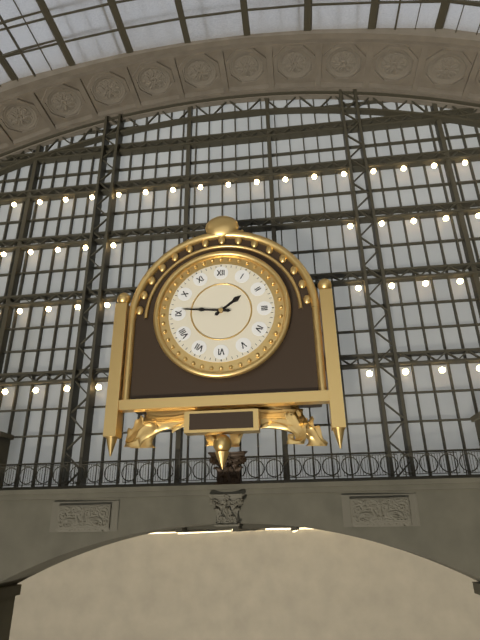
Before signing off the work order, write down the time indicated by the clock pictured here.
1:46
